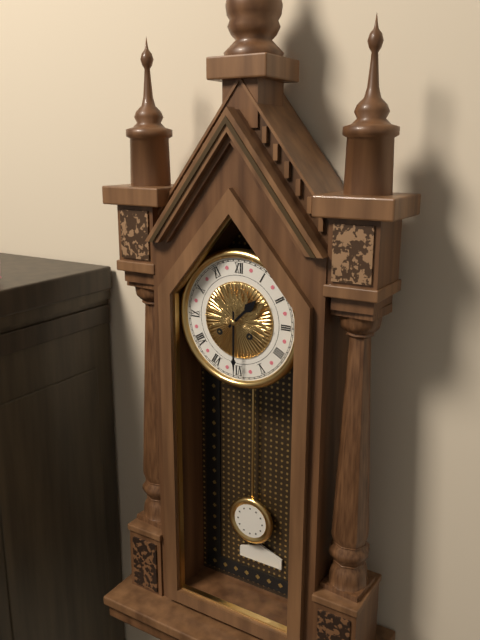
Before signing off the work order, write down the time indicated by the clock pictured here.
1:30
